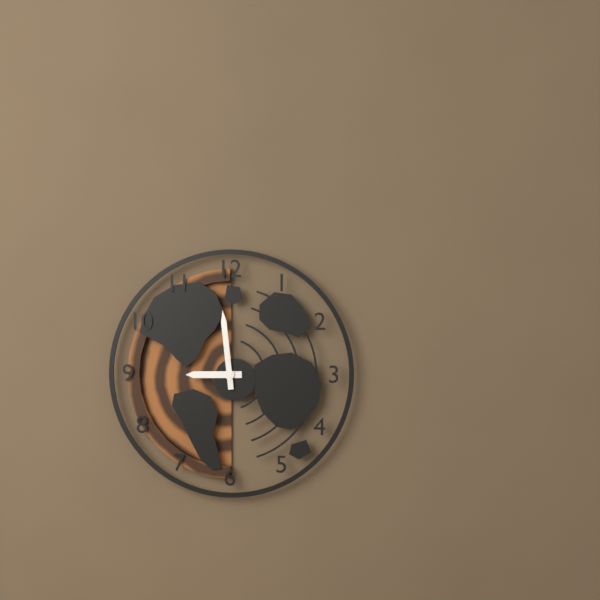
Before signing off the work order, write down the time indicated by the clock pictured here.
8:59
